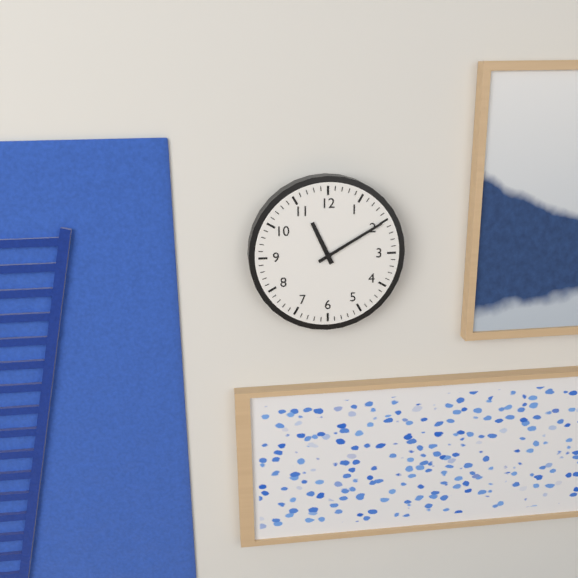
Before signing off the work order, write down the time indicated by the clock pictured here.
11:10
